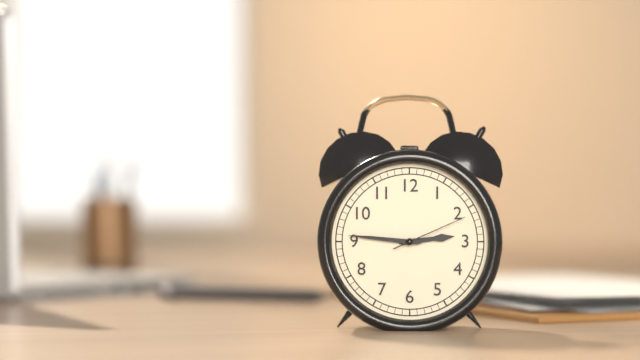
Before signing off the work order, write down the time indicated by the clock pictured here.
2:46:11
